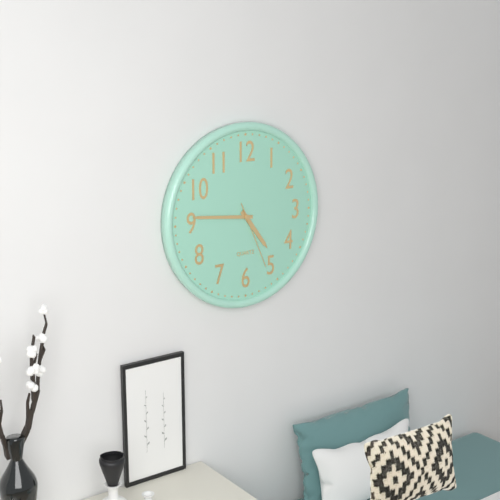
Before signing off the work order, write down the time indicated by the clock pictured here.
4:46:26
